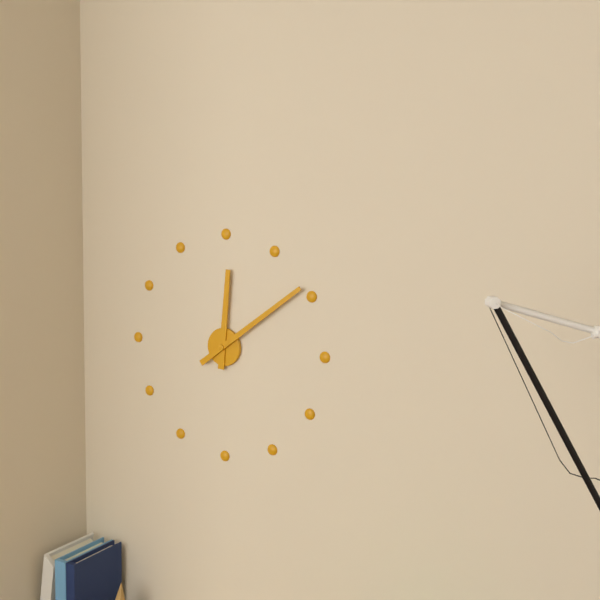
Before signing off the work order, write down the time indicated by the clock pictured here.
12:09
